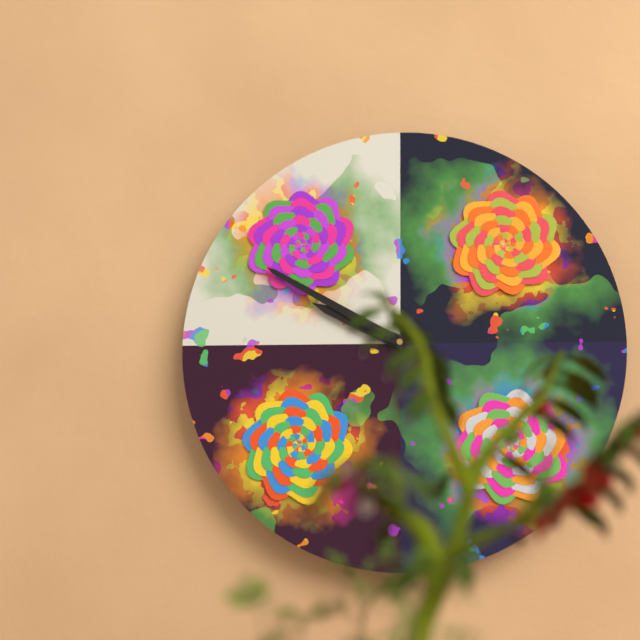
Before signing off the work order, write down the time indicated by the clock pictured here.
9:50
